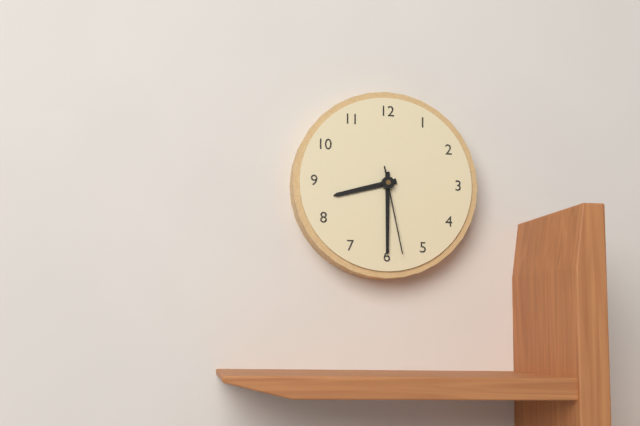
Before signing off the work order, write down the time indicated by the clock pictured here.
8:30:28
